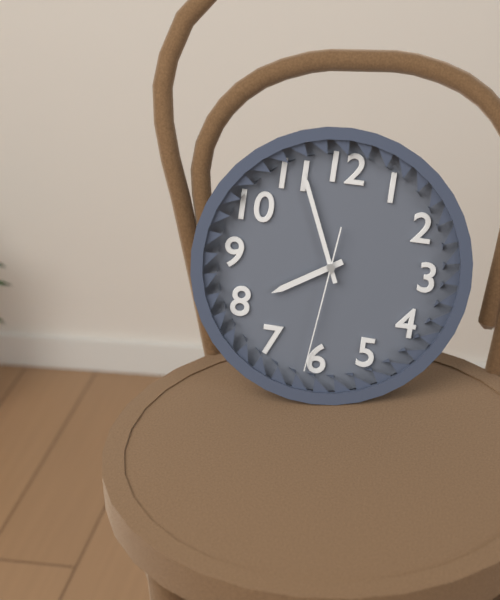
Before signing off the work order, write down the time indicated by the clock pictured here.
7:56:31
